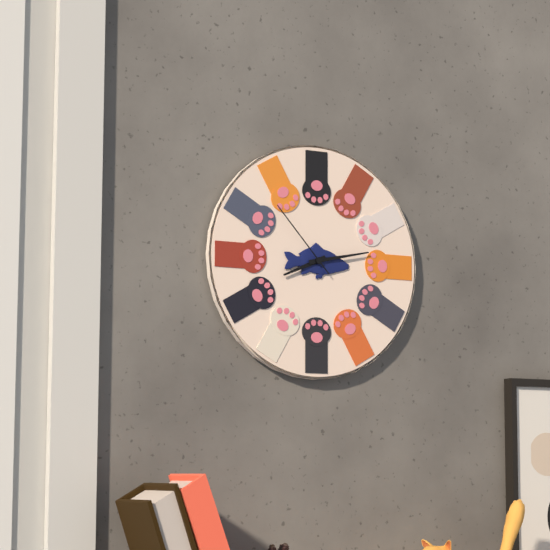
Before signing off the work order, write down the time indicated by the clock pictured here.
8:13:53
